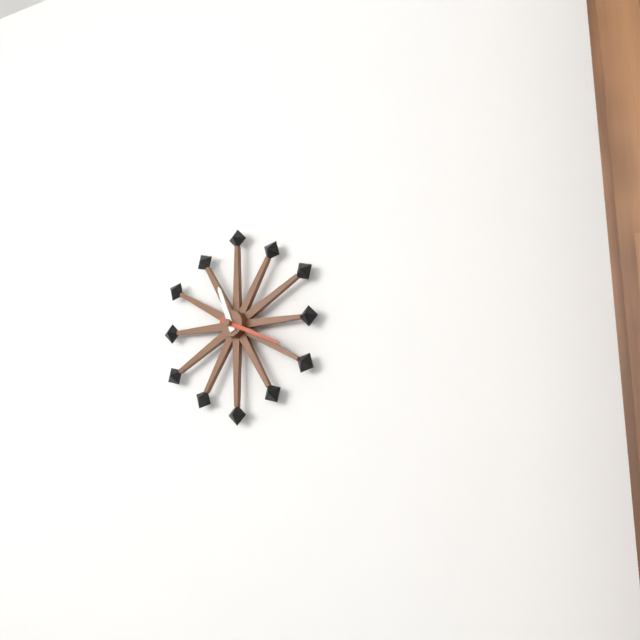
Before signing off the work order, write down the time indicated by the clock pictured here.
11:19
